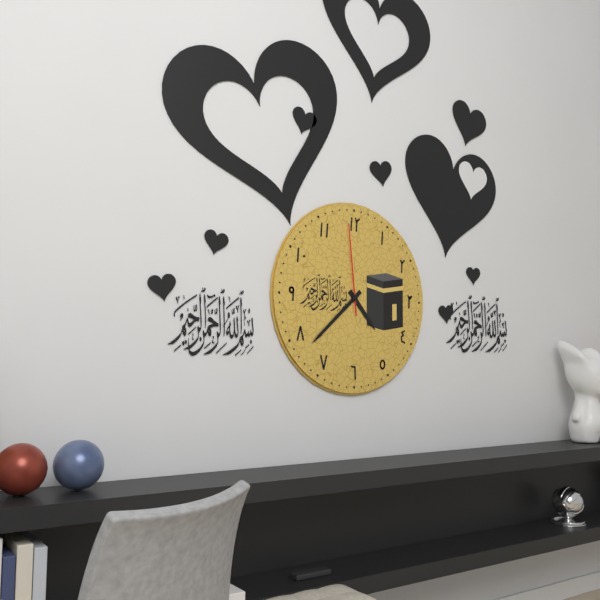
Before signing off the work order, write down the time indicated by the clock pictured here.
4:38:59
